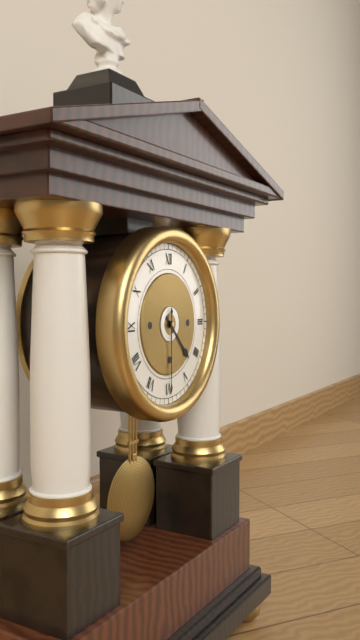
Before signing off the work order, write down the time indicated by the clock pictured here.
4:30
